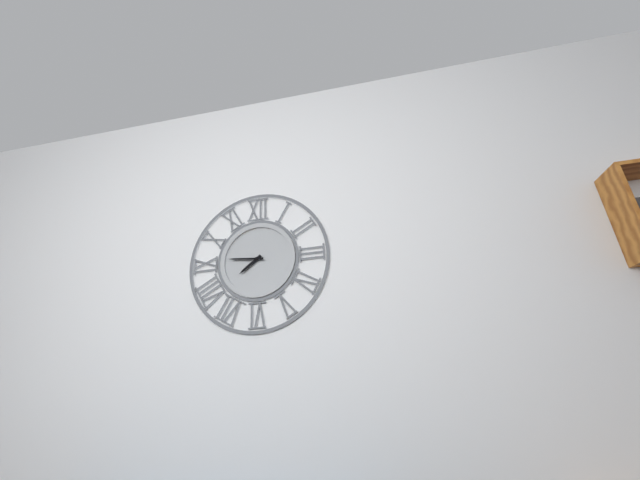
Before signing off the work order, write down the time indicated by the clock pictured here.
7:46
